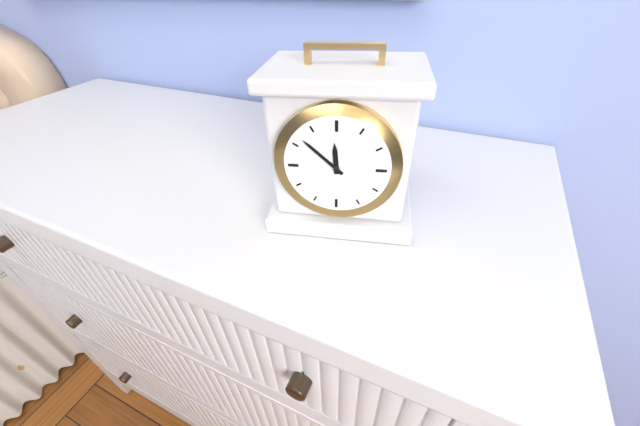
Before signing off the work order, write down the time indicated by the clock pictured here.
11:52
